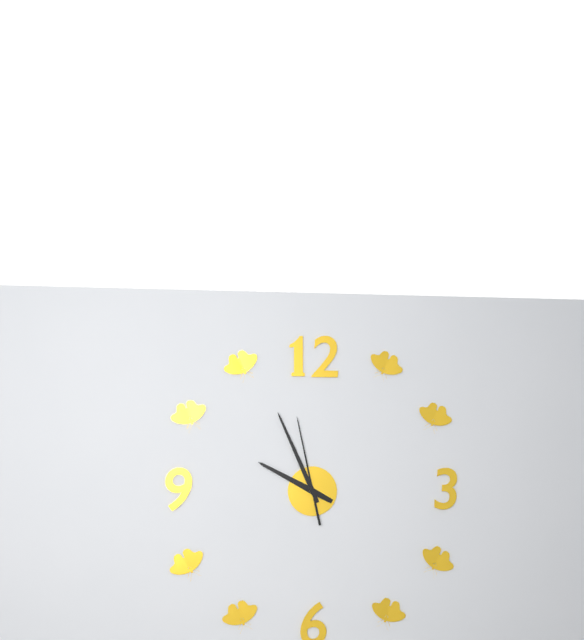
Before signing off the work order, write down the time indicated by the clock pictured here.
9:56:58
